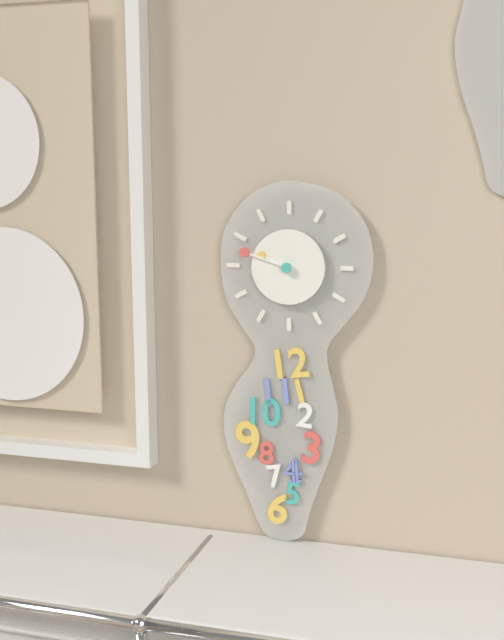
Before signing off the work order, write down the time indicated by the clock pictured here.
9:48
